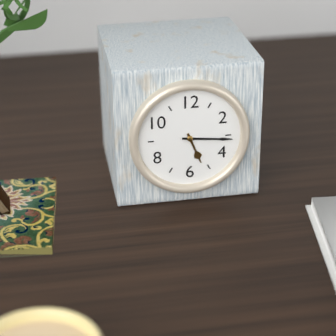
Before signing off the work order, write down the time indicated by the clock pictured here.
5:16
